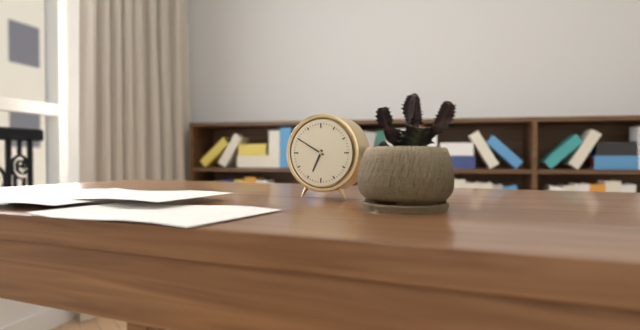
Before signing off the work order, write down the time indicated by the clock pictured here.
6:50
